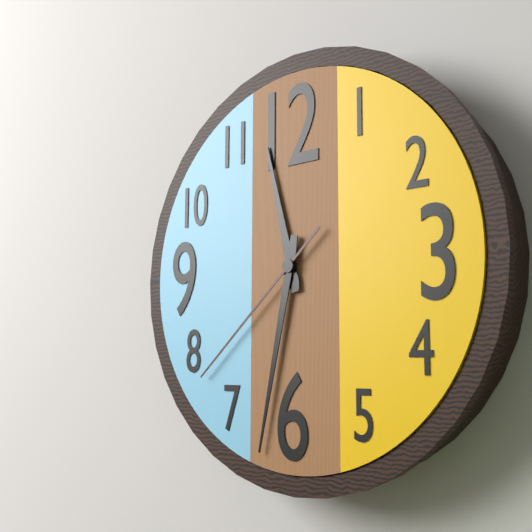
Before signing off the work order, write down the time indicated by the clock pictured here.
11:32:38
